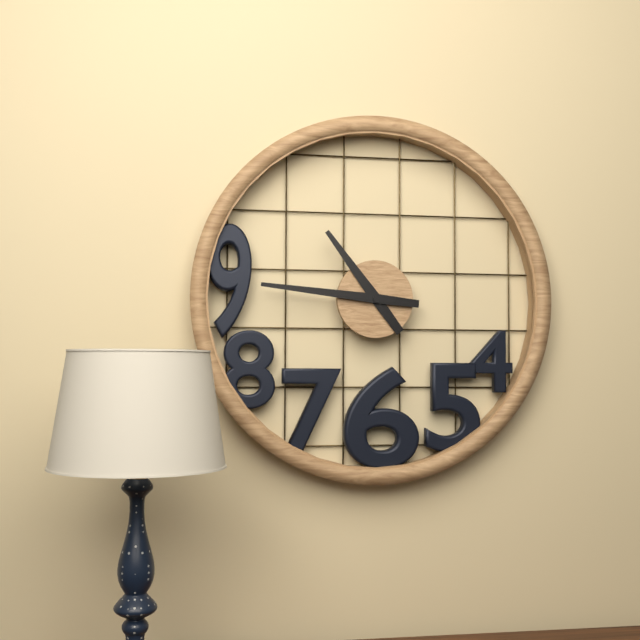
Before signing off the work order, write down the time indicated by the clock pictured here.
10:46
